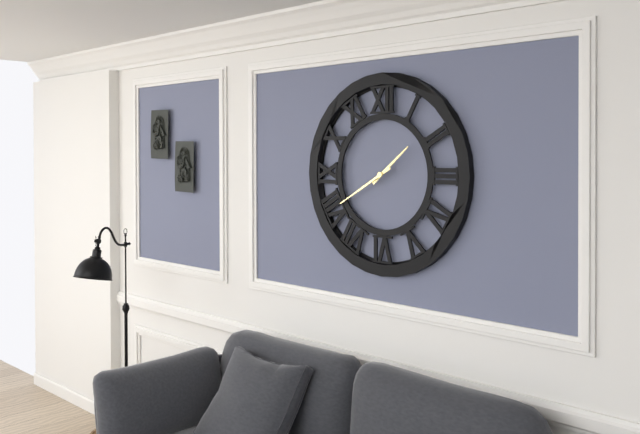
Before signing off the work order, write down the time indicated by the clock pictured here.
1:40
